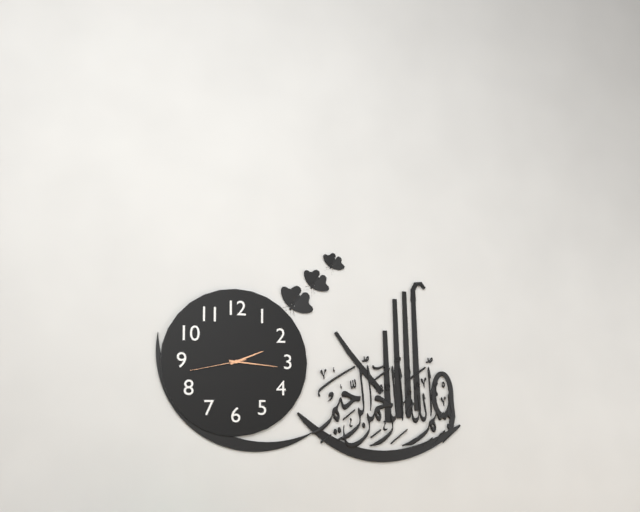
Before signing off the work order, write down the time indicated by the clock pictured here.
2:16:43
